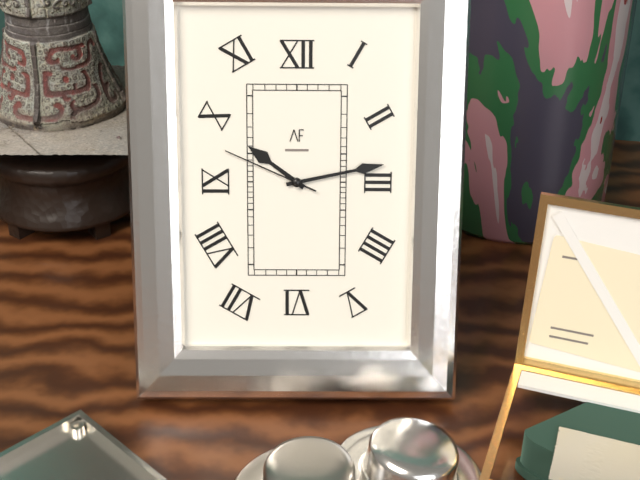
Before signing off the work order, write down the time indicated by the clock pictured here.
10:13:49
